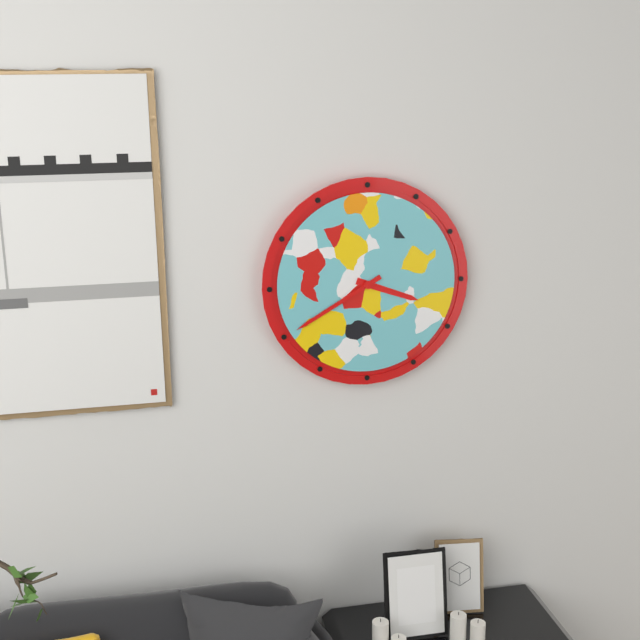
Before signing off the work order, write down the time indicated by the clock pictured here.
3:40
